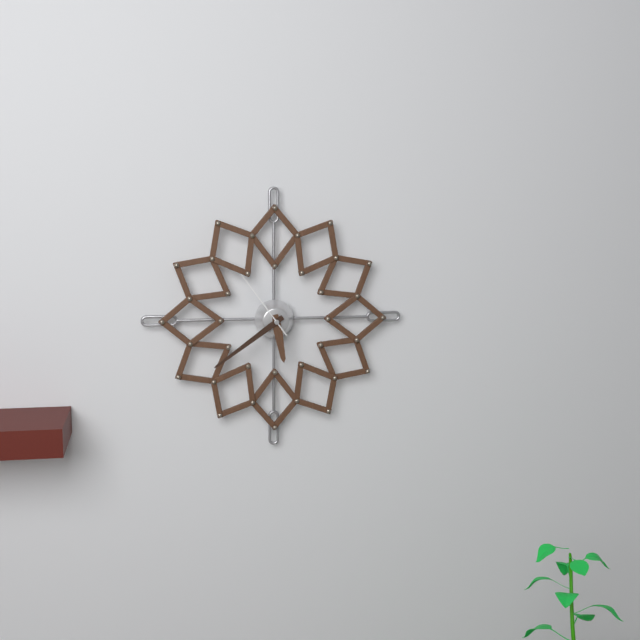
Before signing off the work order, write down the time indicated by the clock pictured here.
5:39:54
